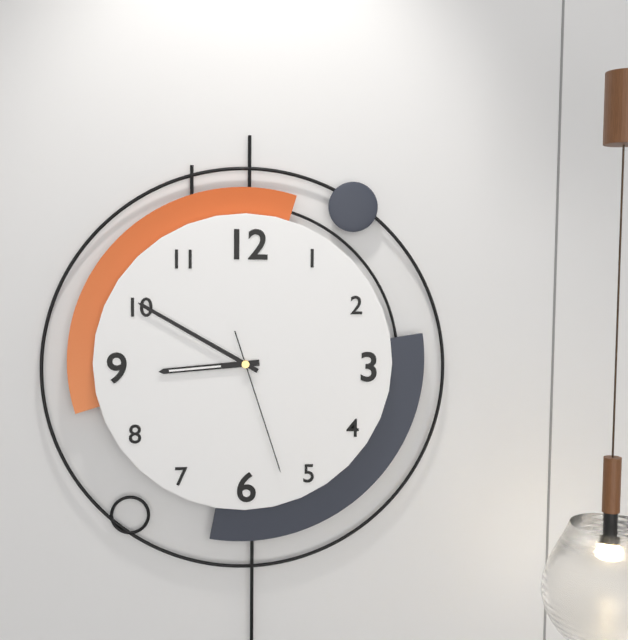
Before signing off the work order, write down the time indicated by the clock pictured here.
8:50:27
